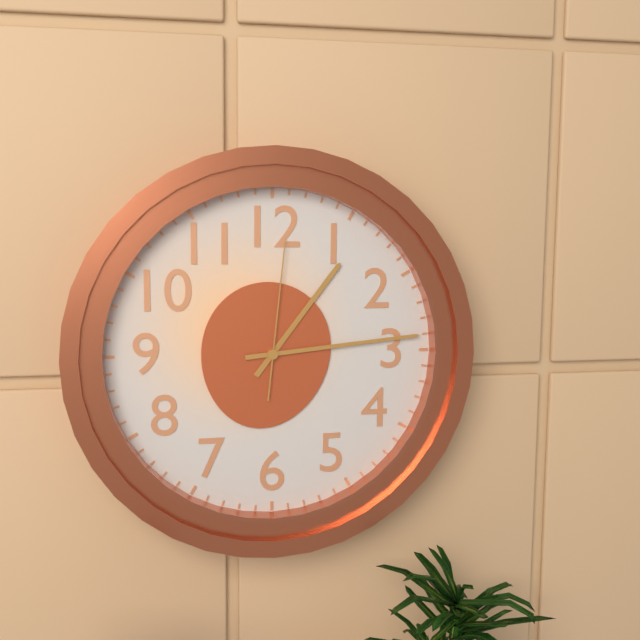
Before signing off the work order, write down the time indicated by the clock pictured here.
1:14:01
